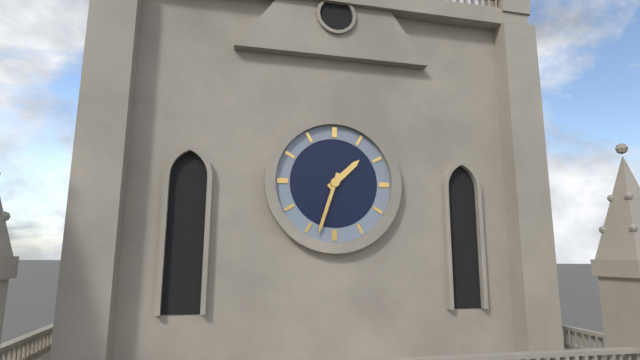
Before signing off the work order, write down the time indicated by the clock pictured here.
1:33
